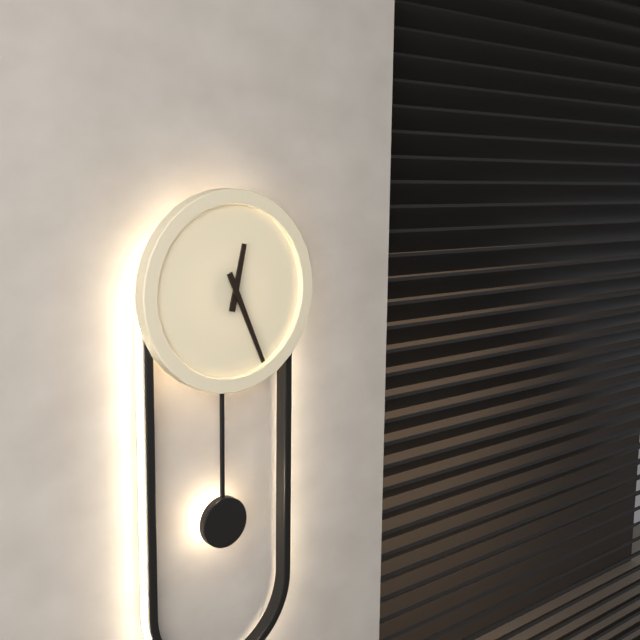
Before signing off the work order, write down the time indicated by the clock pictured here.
12:26
